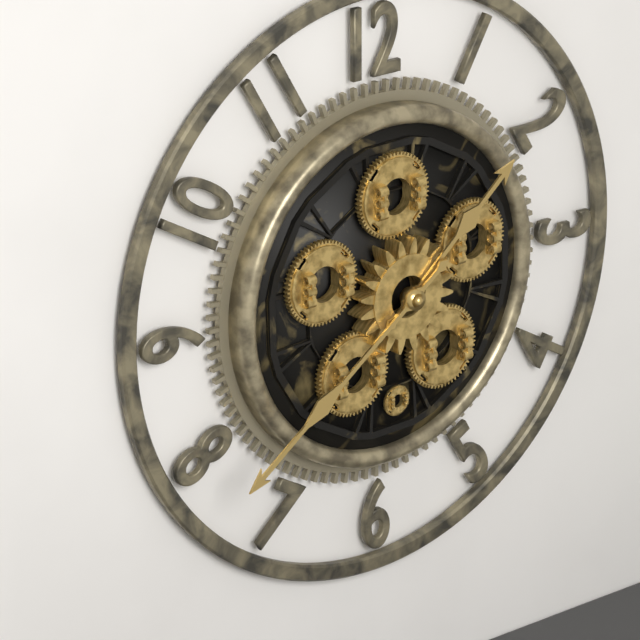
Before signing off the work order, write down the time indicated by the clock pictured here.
1:39
